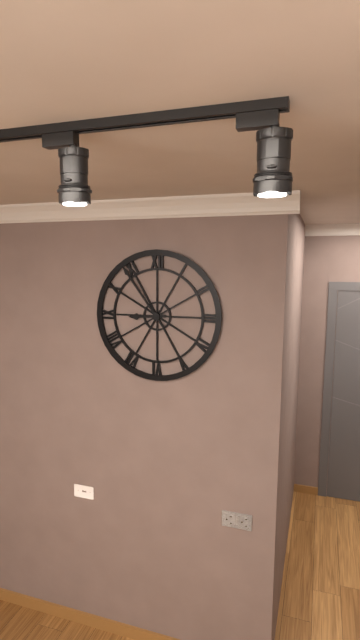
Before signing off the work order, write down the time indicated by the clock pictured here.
8:54
